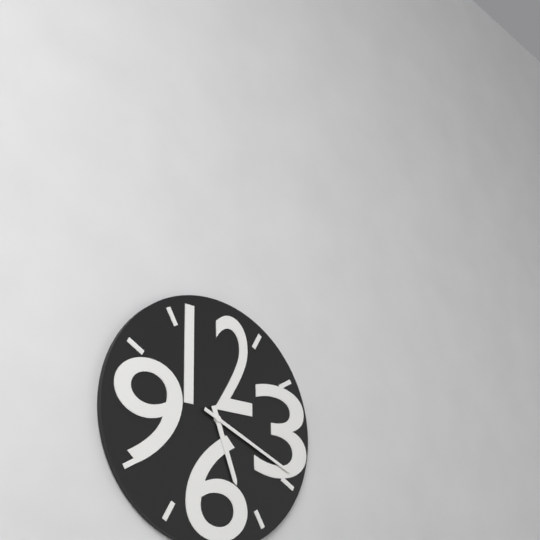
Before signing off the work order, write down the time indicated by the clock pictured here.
5:19
